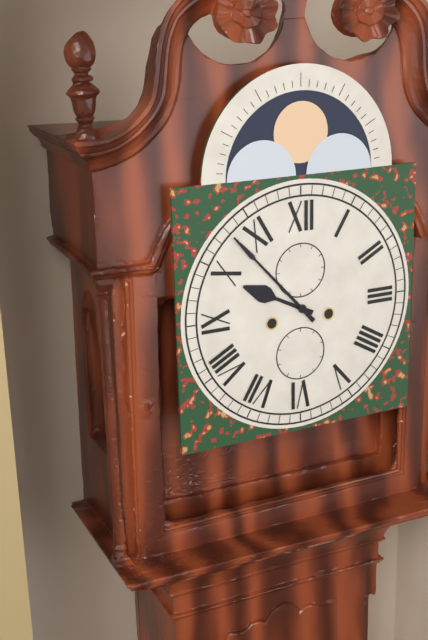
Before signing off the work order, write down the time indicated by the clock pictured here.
9:53
